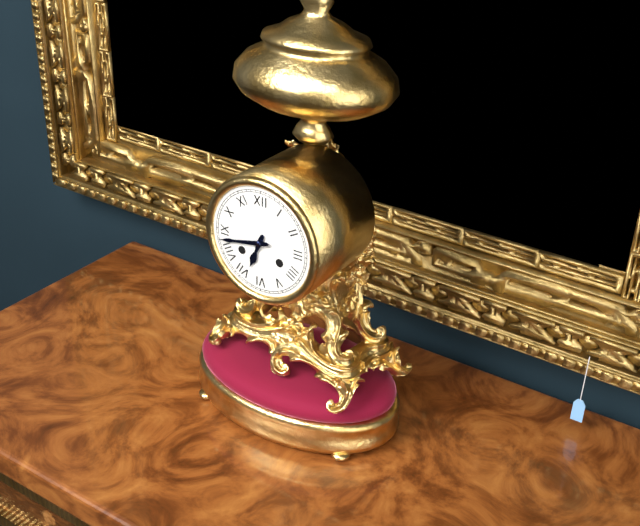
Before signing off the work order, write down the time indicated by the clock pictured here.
6:43
